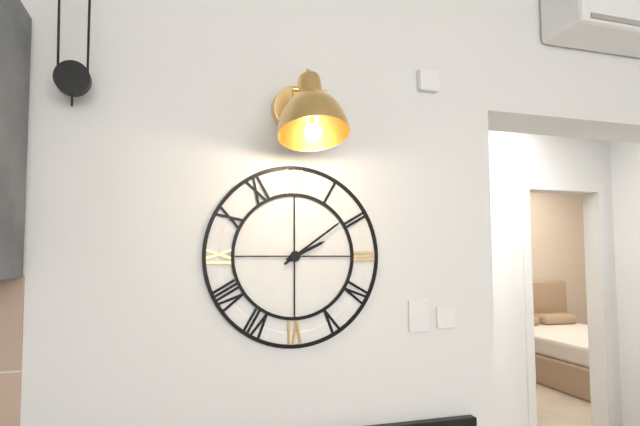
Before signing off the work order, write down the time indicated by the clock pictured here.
2:09
